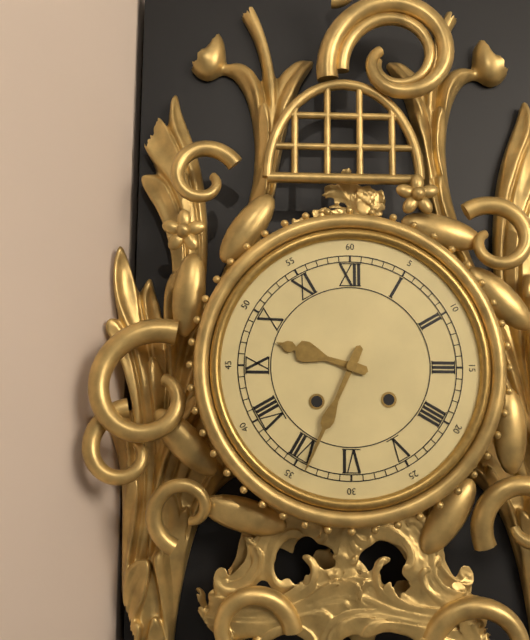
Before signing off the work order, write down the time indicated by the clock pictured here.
9:34
